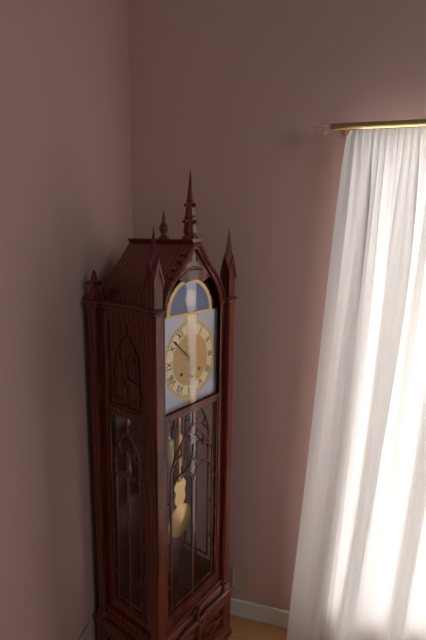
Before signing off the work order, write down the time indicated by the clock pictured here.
5:52
